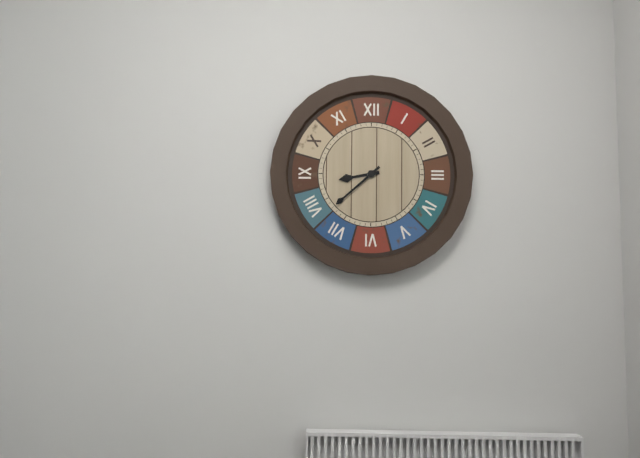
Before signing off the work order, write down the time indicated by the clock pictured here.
8:38
